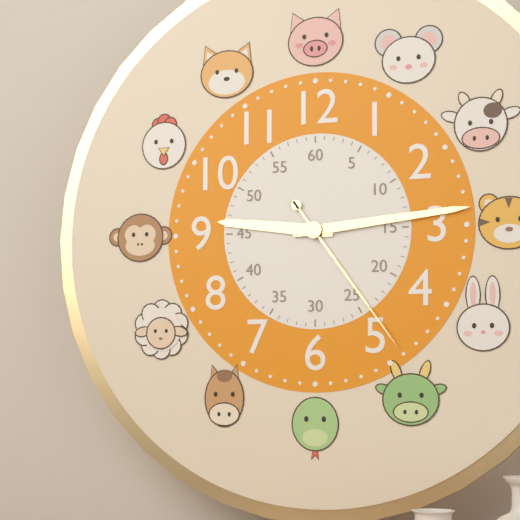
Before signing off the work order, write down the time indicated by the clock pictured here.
9:14:24
